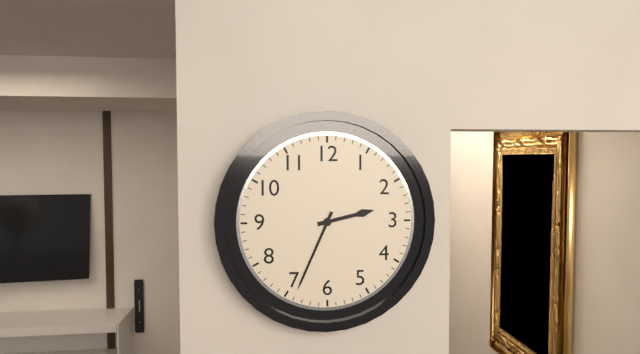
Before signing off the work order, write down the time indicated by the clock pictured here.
2:34
